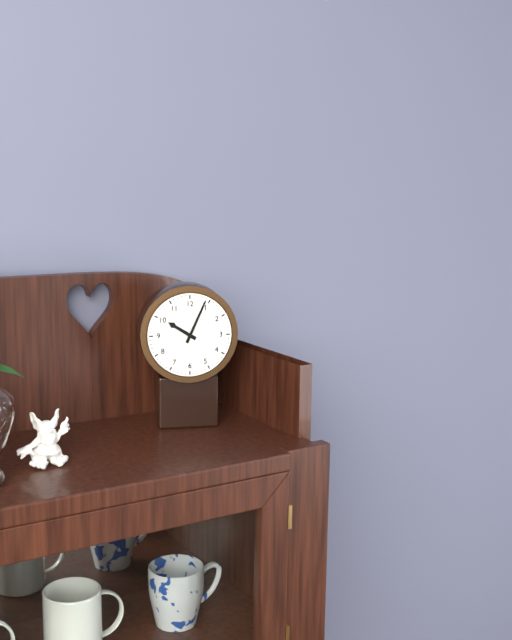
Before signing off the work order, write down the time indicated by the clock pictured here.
10:04
